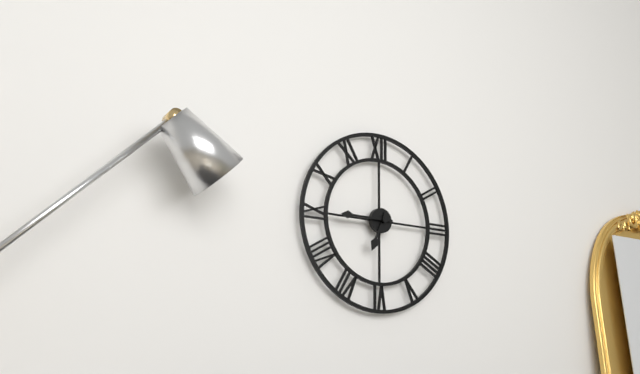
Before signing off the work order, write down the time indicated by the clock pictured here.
6:45
